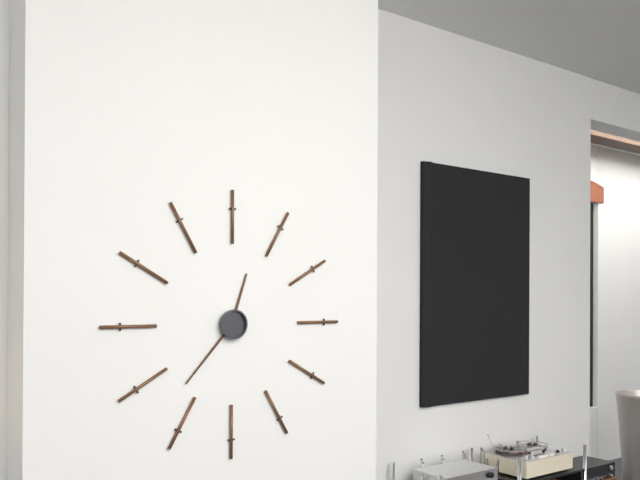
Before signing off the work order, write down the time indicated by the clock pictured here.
12:37
